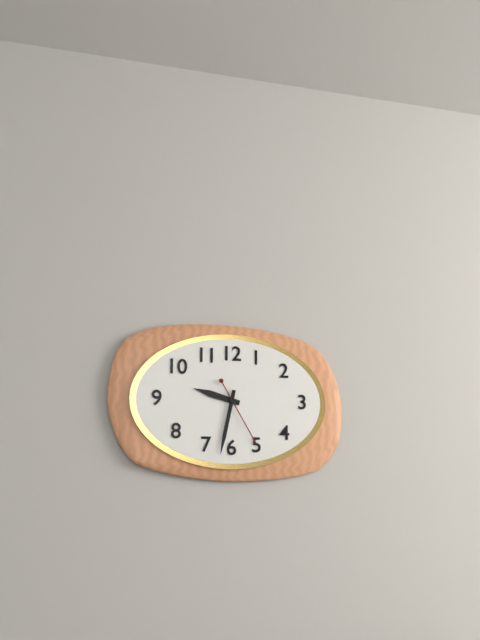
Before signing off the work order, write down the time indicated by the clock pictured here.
9:32:25
